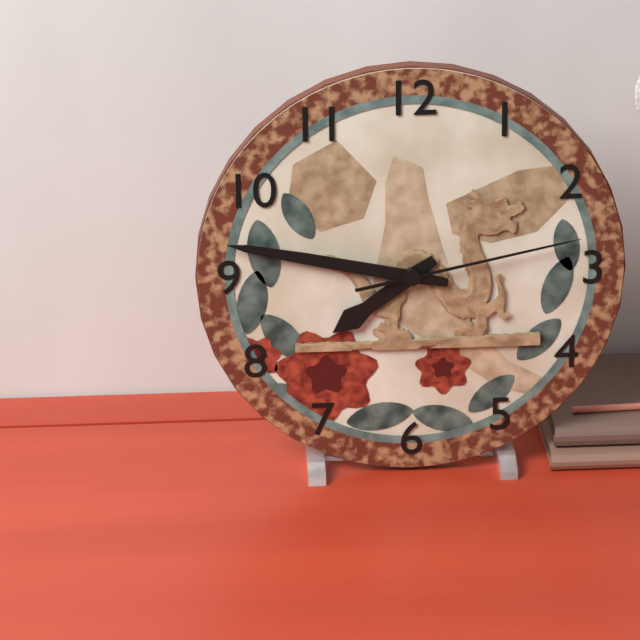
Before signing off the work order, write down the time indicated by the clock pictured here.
7:47:13
